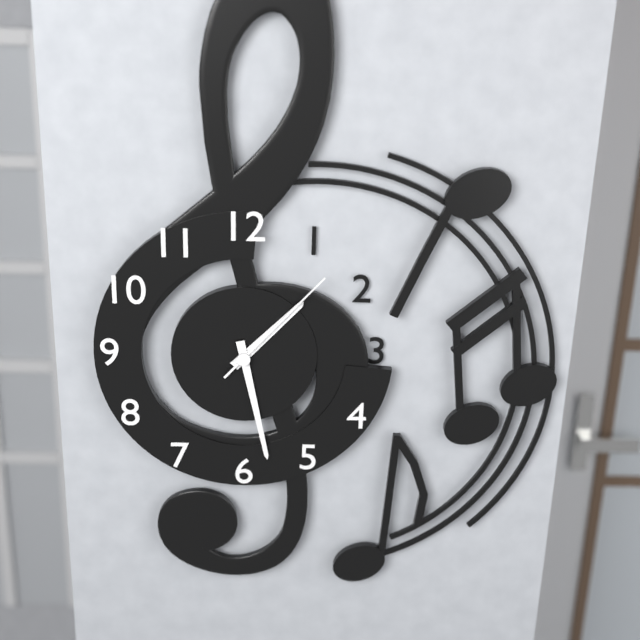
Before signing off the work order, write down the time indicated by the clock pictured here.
1:28:07
